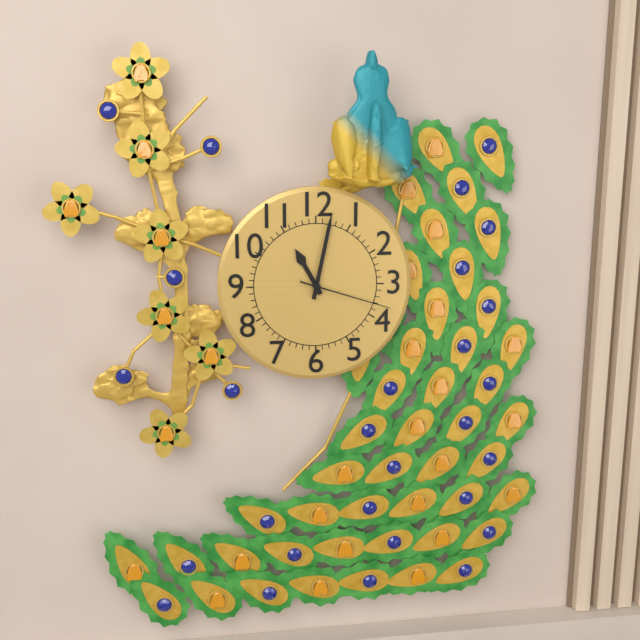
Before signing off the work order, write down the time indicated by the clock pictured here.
11:02:18
